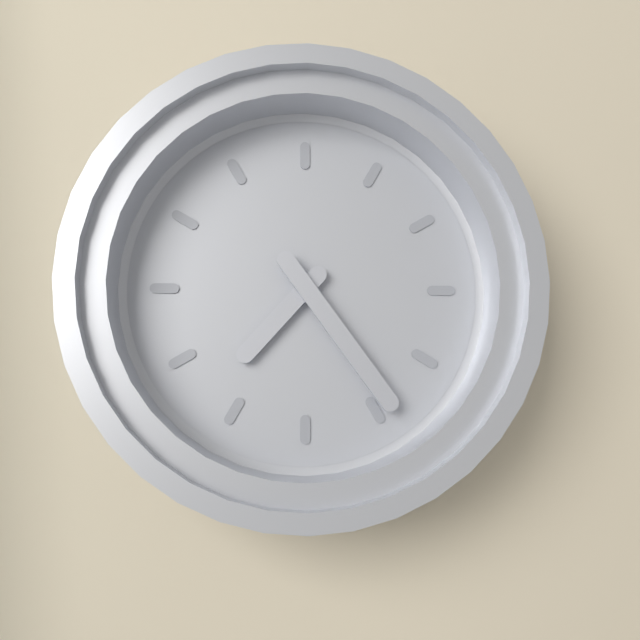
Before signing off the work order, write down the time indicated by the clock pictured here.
7:24
